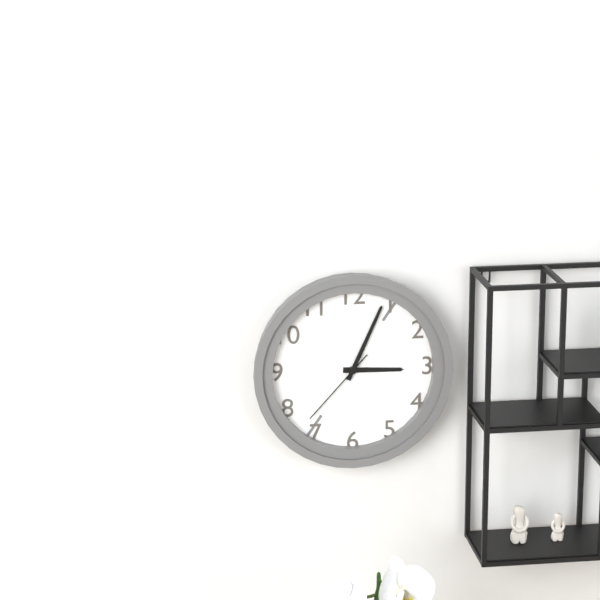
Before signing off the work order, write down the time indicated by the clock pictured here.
3:04:37
